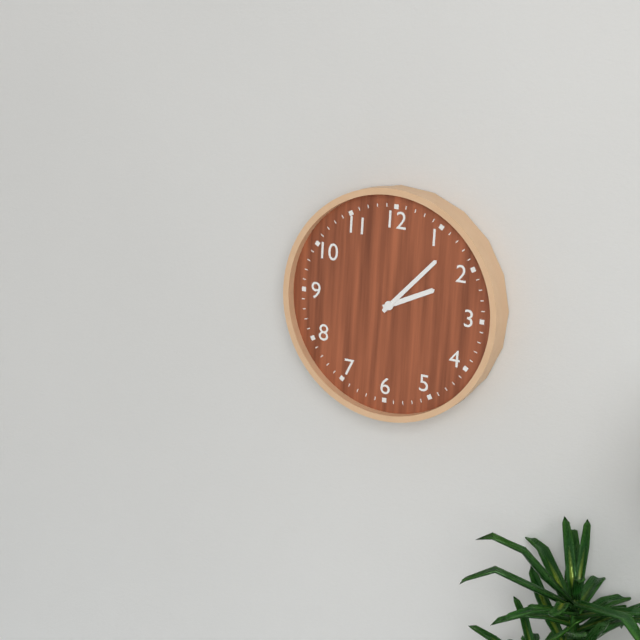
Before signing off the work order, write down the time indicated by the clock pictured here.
2:07
